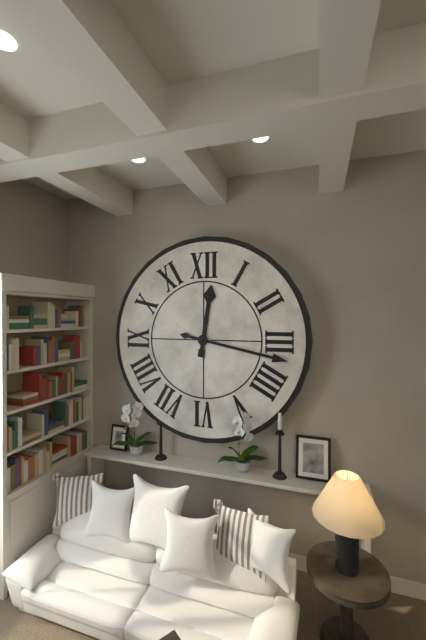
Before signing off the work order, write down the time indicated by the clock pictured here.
12:17
